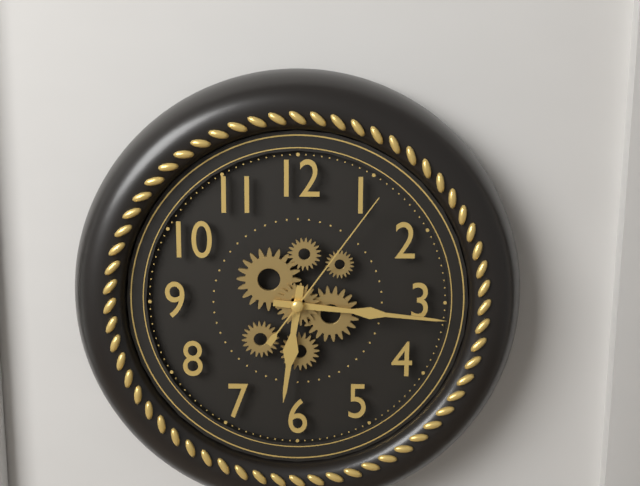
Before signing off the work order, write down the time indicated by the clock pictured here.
6:16:06
